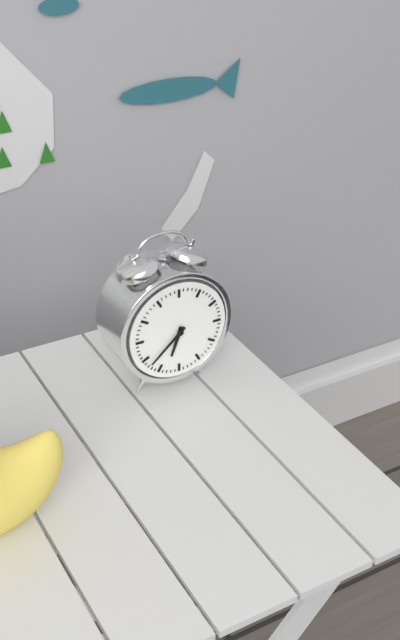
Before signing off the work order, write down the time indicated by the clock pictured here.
6:38
